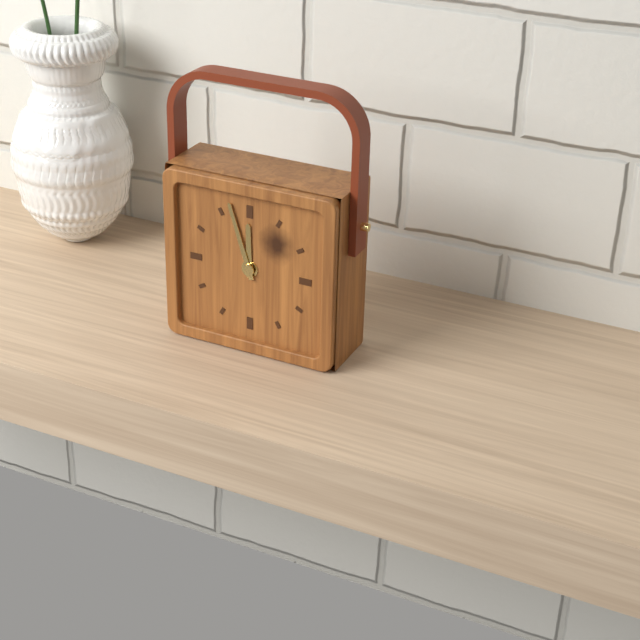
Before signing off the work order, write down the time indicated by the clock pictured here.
11:57
